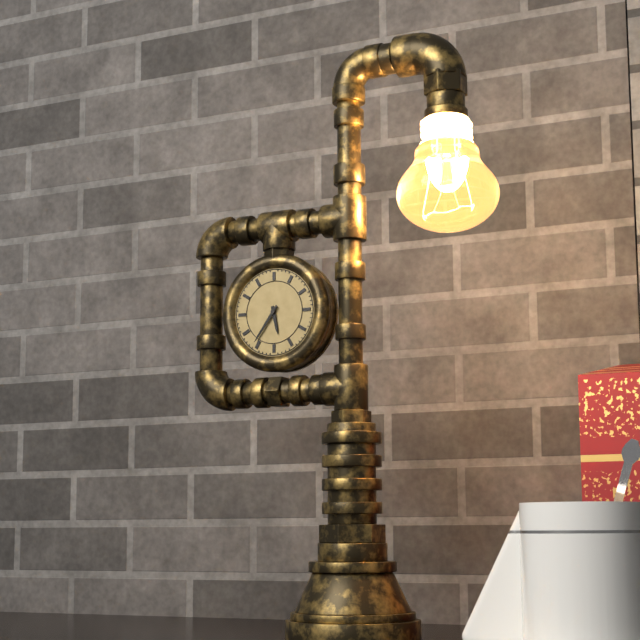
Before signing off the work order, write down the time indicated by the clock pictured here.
5:36
